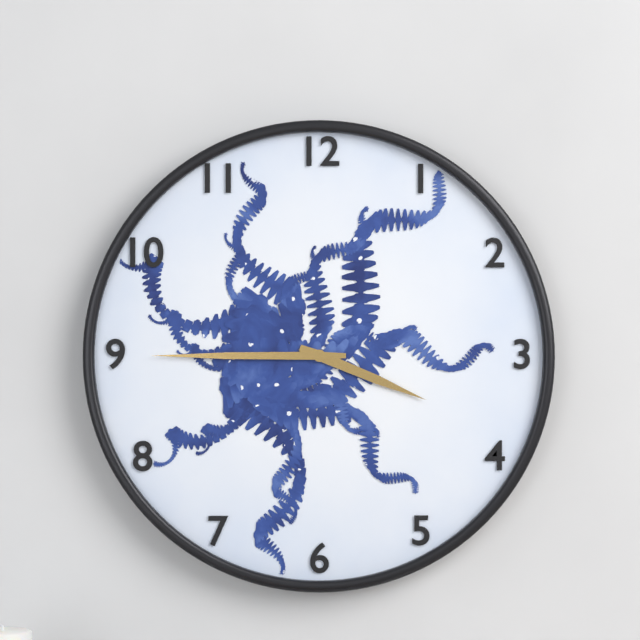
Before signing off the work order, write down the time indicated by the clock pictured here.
3:45
